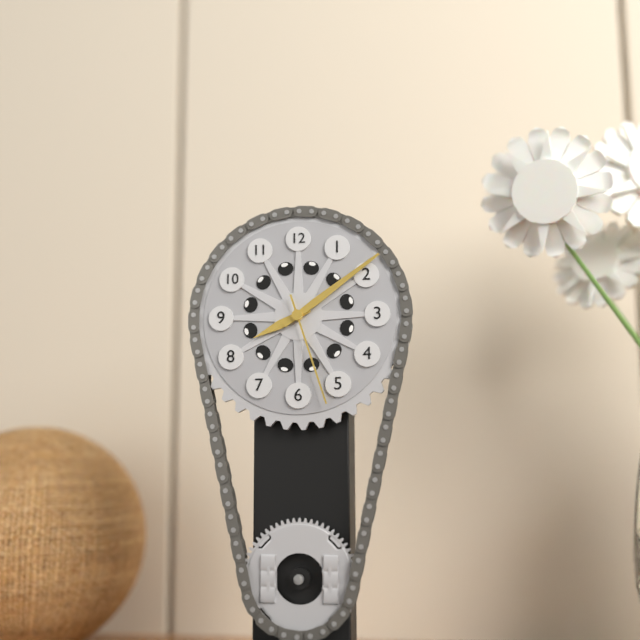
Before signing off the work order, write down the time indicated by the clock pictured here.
8:09:27
